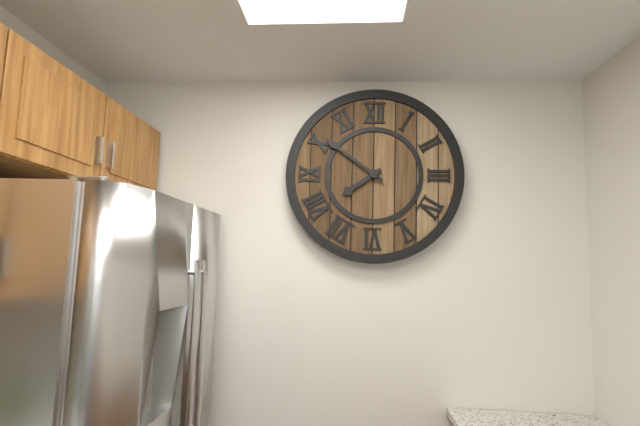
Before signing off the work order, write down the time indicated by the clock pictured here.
7:51
